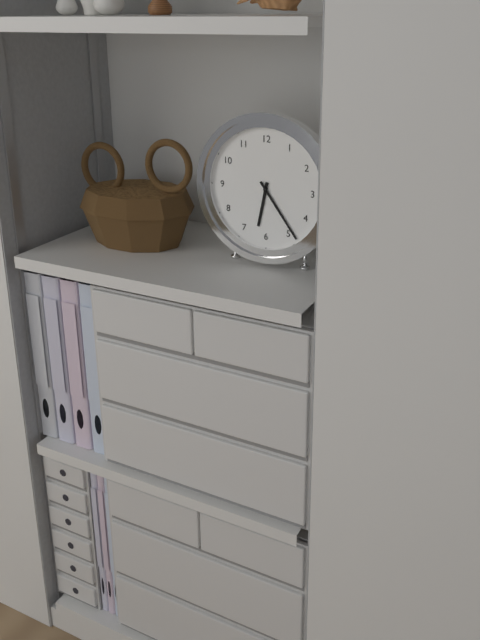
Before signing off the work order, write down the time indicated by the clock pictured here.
6:24
